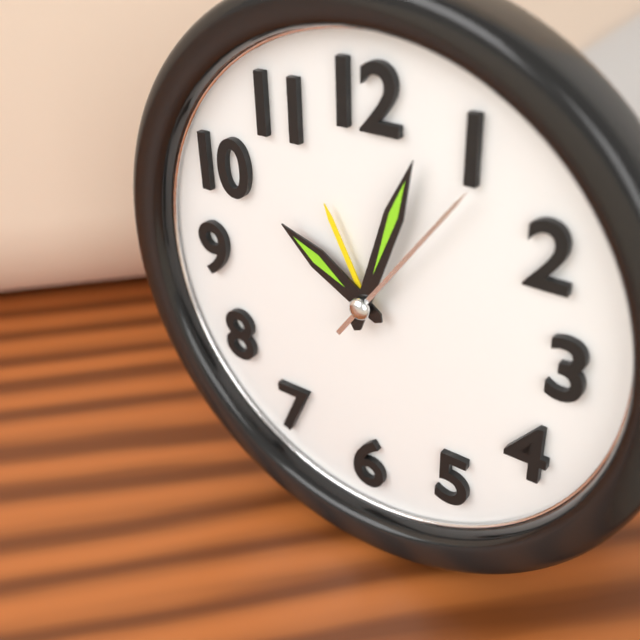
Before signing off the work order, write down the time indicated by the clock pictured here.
10:03:06
